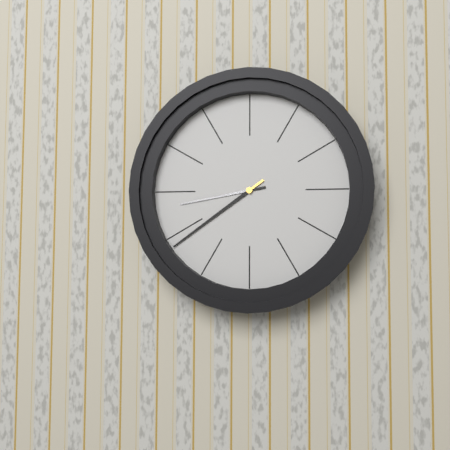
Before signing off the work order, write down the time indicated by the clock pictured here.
8:39
